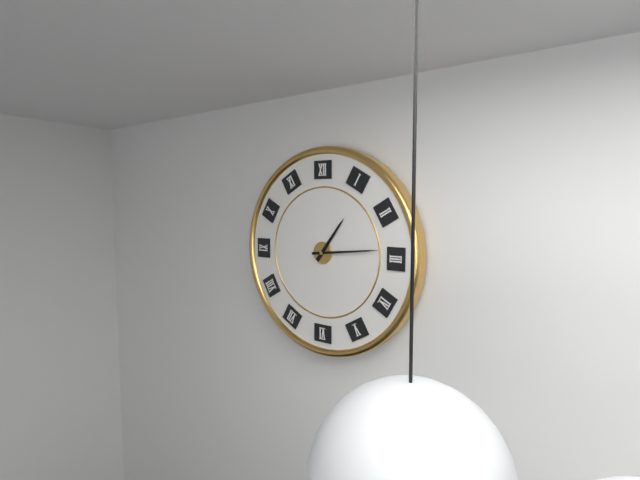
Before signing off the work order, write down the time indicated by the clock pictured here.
1:14
